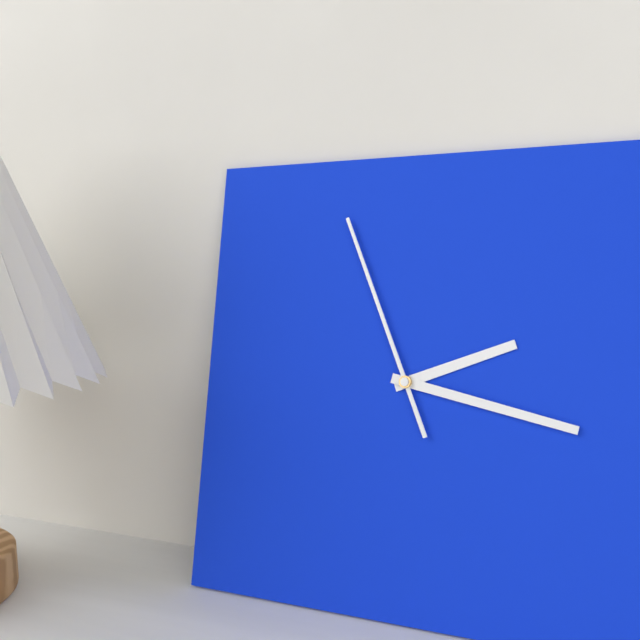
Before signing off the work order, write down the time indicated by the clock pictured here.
2:17:56
